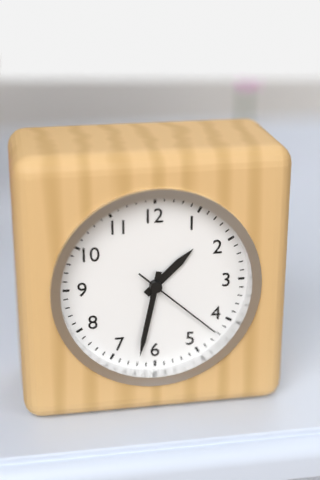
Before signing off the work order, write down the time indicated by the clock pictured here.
1:32:22
